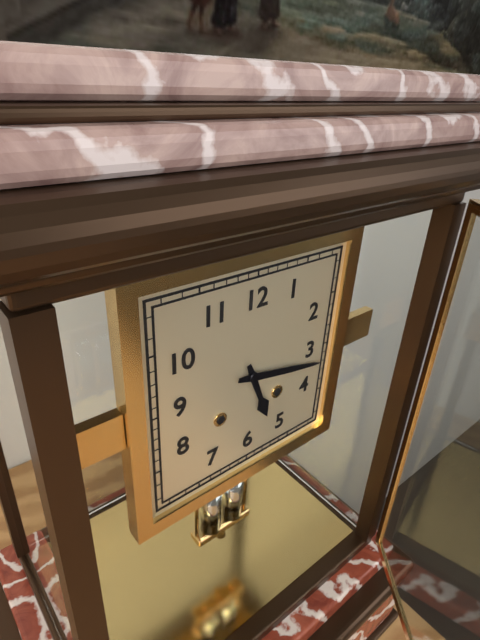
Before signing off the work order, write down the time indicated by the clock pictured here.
5:17
